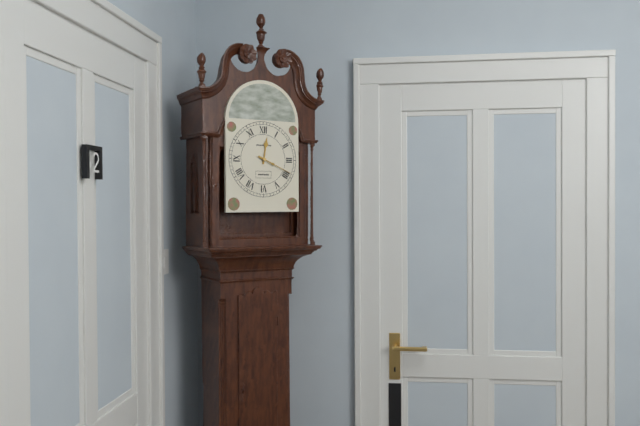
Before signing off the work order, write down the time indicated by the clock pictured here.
12:19
